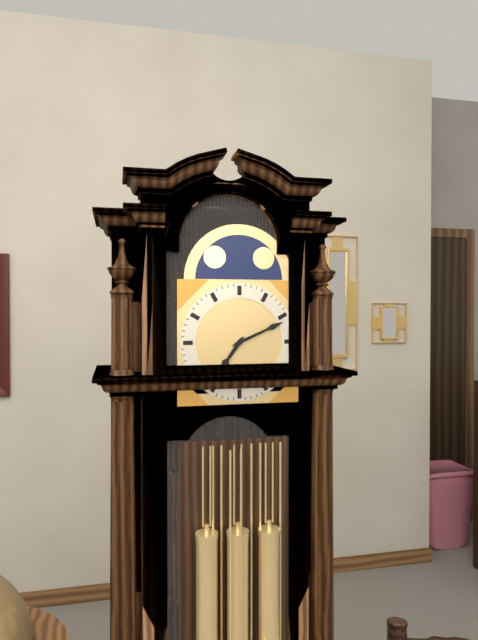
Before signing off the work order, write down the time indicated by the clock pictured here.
7:11
